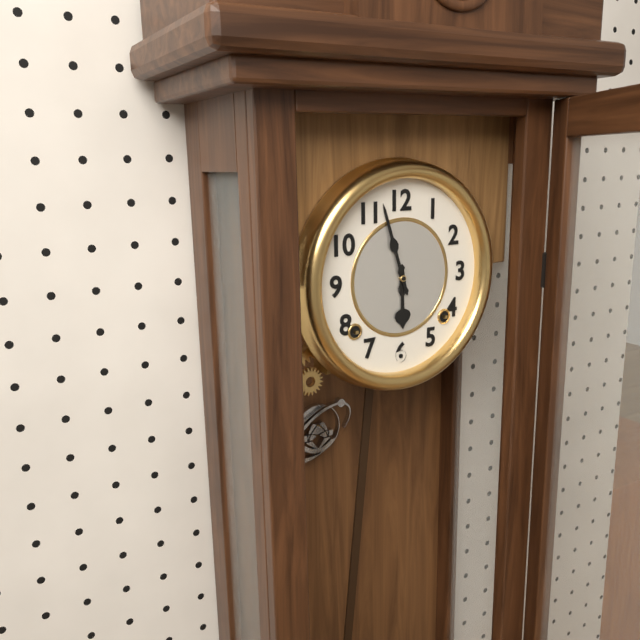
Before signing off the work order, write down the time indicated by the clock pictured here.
5:57
